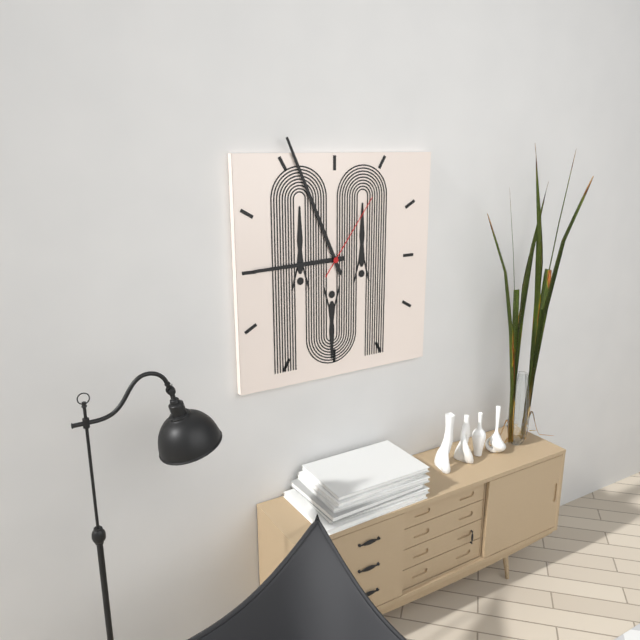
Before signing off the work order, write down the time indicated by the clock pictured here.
8:56:06
